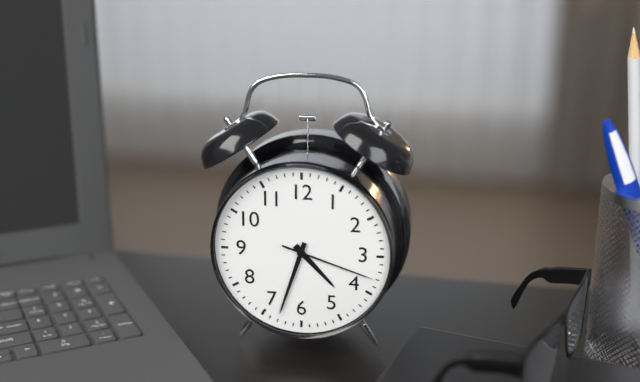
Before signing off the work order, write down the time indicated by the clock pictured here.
4:33:18
